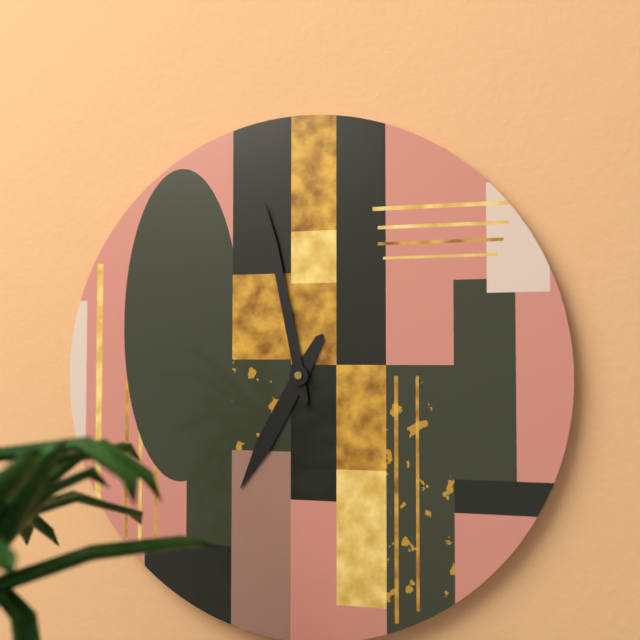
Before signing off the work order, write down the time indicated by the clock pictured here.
6:58
